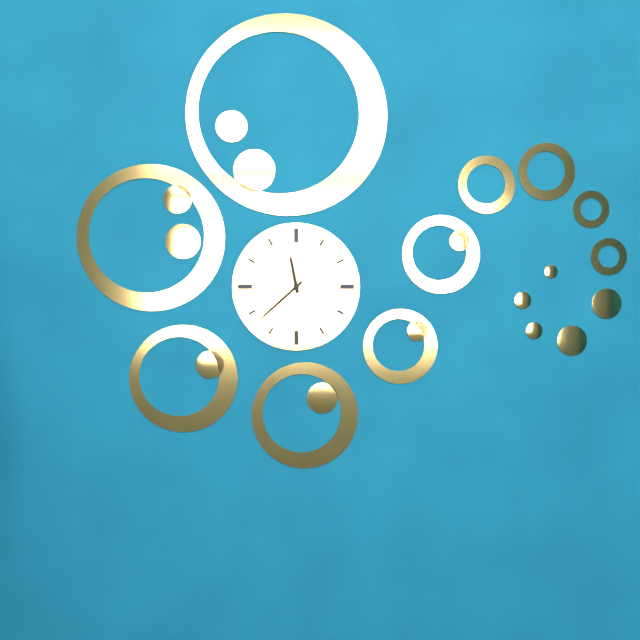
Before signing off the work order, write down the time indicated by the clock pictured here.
11:38
